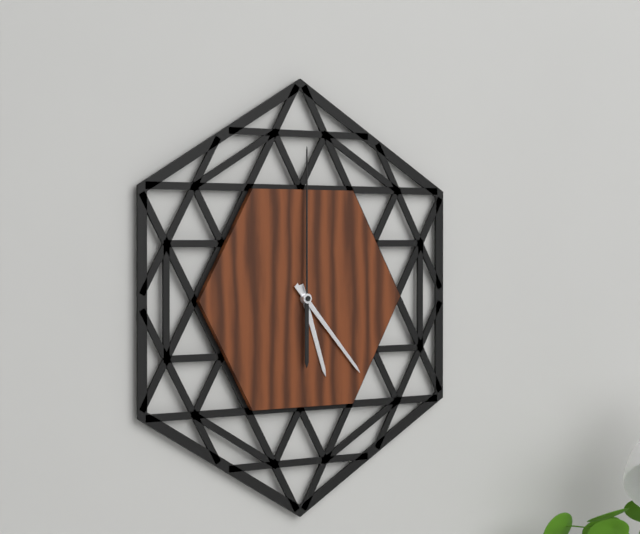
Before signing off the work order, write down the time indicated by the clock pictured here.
5:23:00
